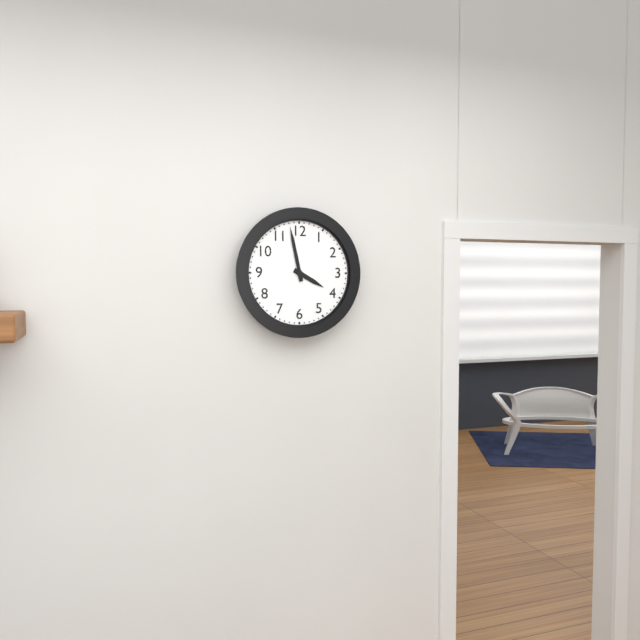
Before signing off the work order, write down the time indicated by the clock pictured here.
3:58
